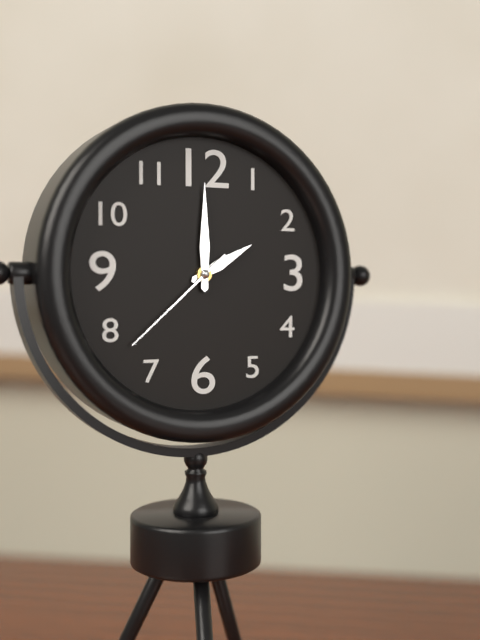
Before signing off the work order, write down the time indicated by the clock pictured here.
2:00:38
